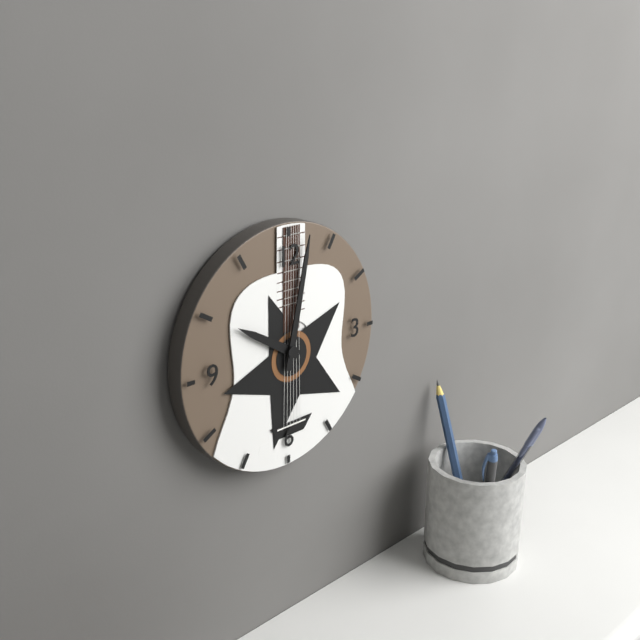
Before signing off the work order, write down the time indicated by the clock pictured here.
10:02
